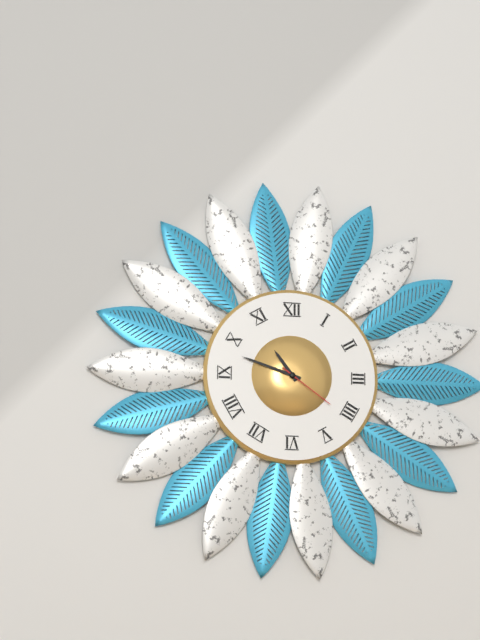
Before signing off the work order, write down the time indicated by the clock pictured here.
10:48:21
